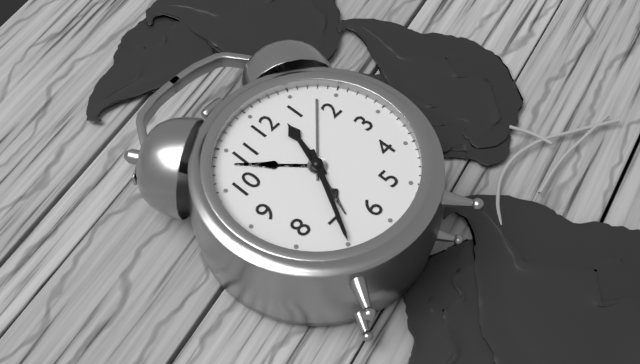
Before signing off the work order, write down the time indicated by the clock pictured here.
12:35
